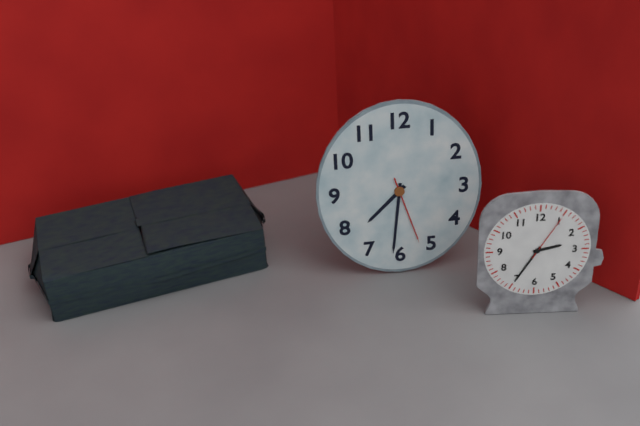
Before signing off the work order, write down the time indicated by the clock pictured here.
7:31:27
